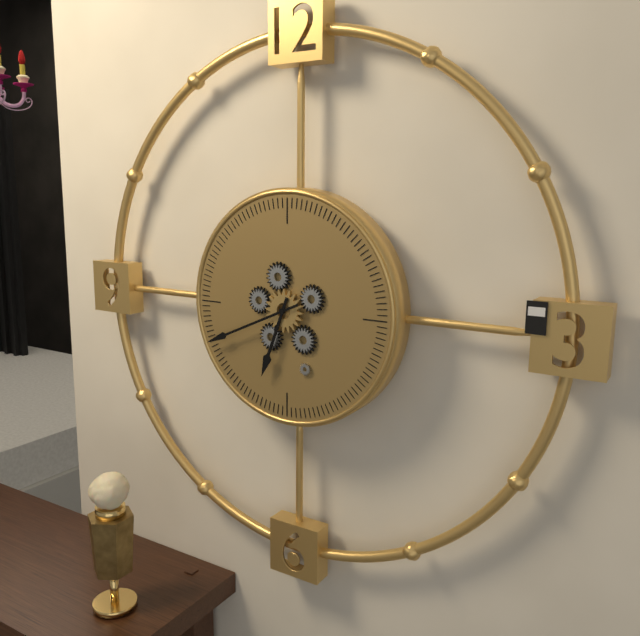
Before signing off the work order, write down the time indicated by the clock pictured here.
6:41
